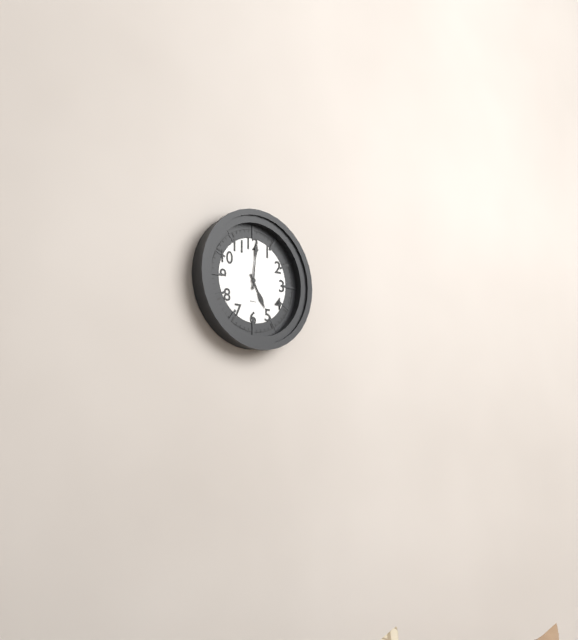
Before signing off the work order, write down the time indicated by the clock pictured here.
5:01
